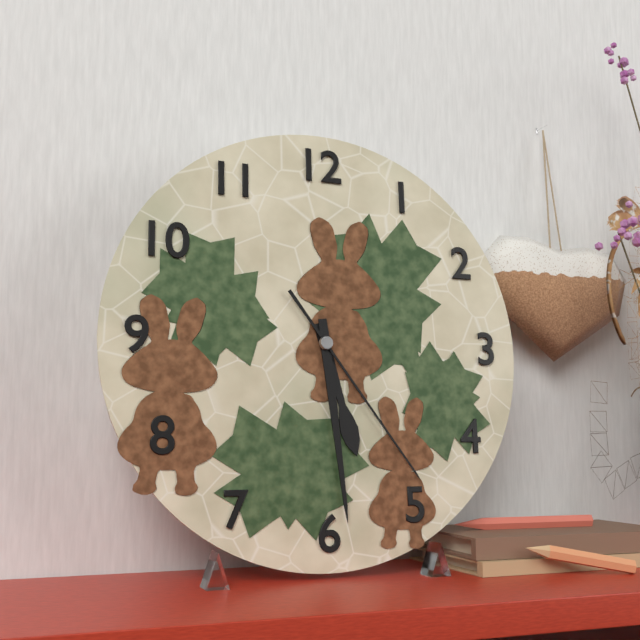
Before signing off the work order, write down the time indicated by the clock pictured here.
5:29:24
